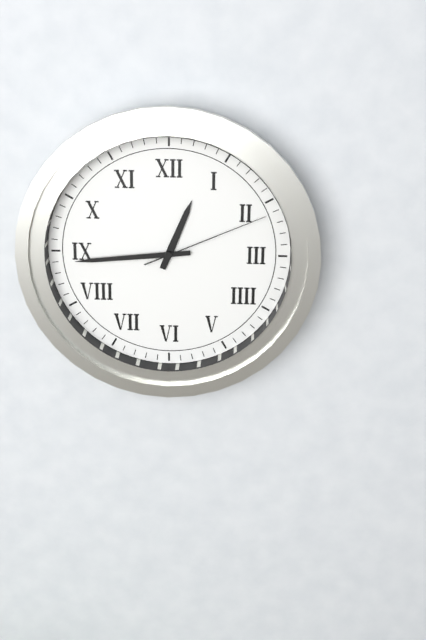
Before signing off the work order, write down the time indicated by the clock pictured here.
12:44:11
